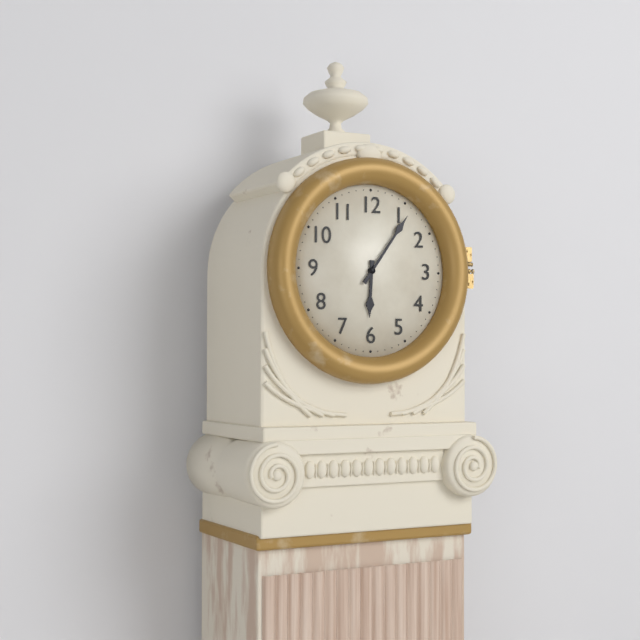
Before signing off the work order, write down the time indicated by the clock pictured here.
6:06
